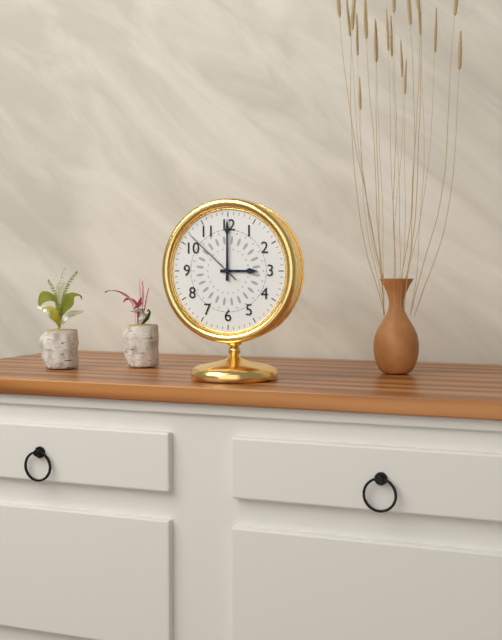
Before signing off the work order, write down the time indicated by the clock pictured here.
3:00:52
